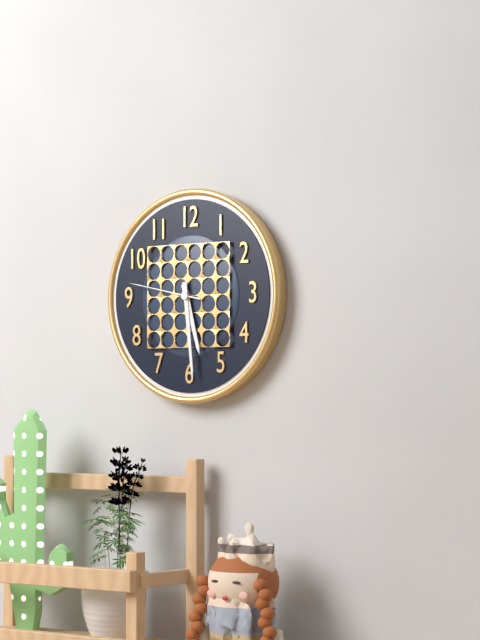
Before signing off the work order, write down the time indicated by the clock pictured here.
5:29:47
